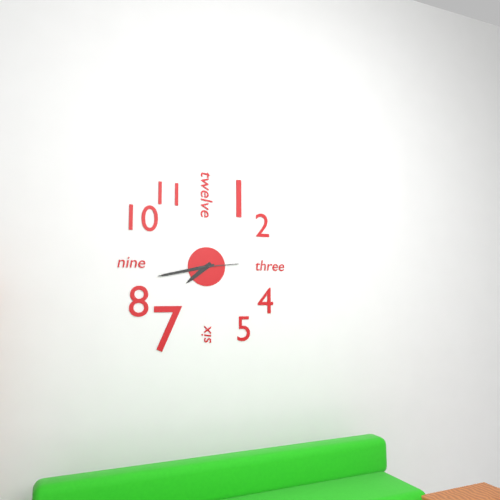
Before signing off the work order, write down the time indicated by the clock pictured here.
7:43
